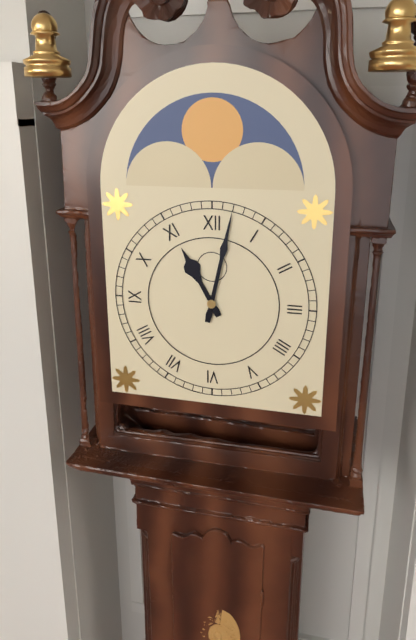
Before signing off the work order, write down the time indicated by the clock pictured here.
11:02
